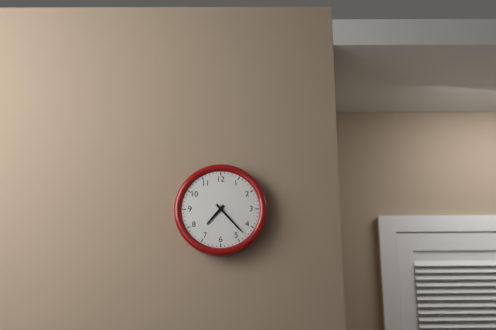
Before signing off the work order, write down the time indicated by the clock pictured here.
7:23
